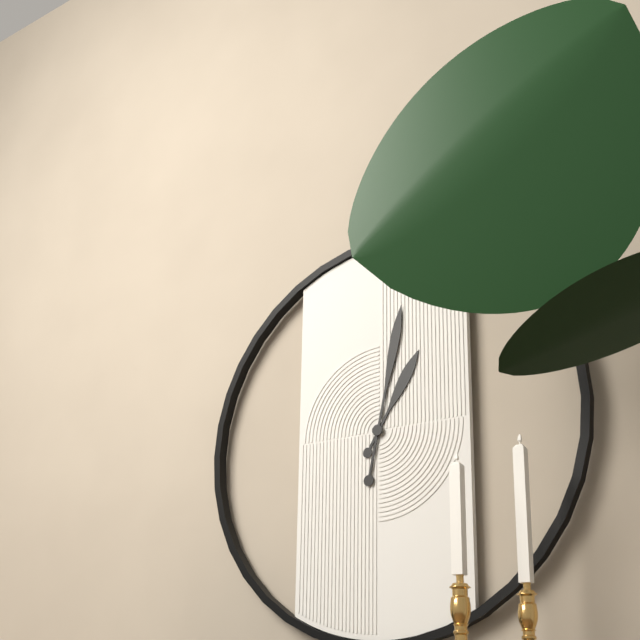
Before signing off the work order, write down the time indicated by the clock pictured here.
1:02
